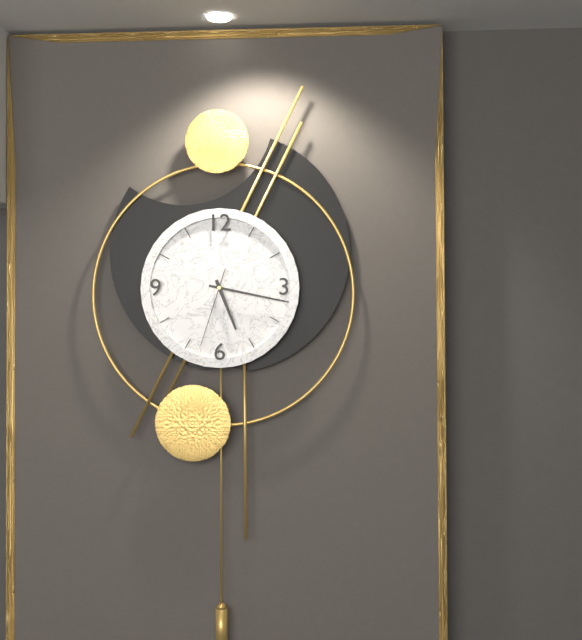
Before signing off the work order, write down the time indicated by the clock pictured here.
5:17:33
